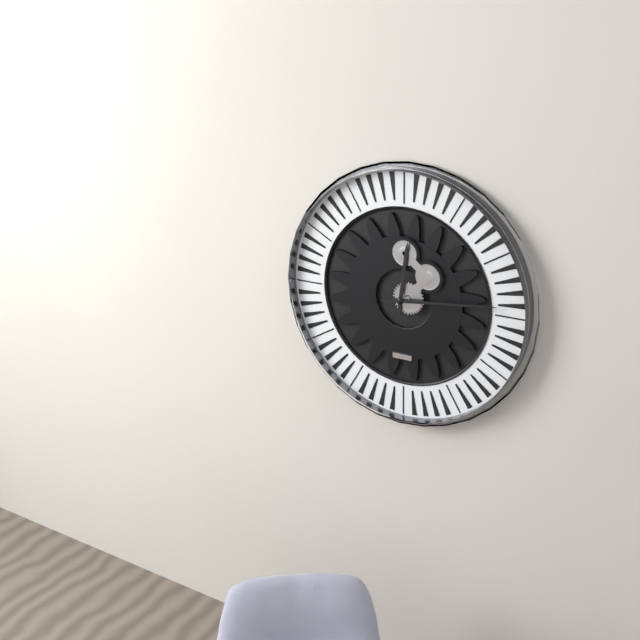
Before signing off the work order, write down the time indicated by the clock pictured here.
12:14
